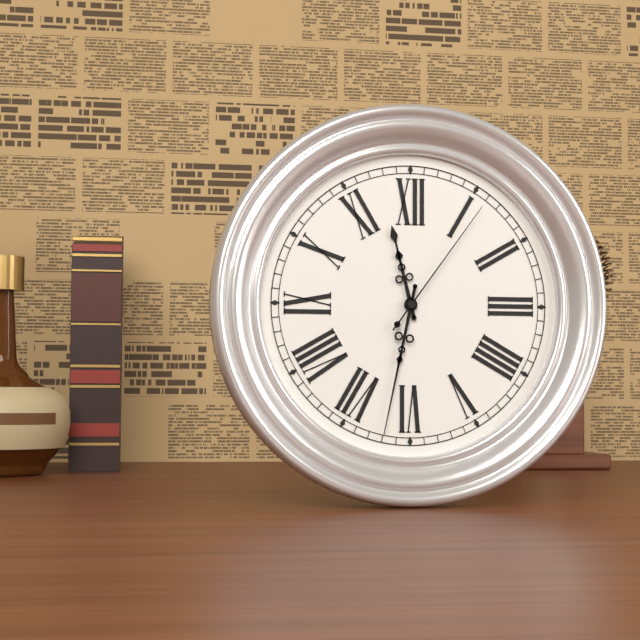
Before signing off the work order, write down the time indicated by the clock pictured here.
11:32:06
